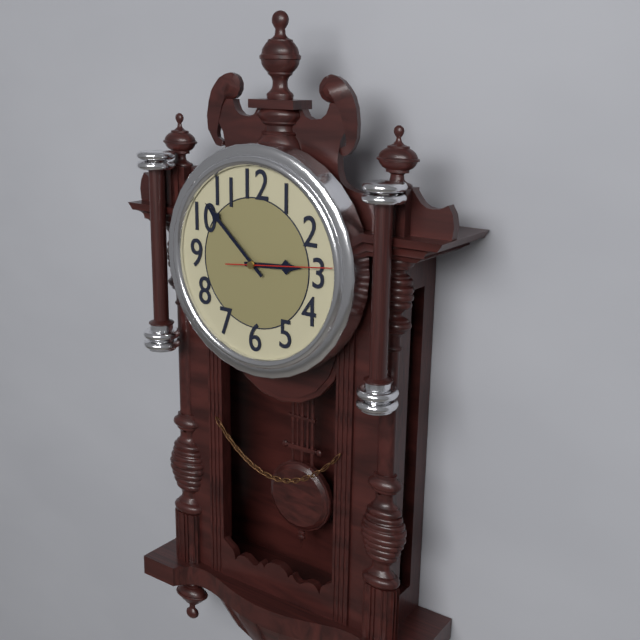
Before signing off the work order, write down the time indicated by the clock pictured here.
2:52:14
